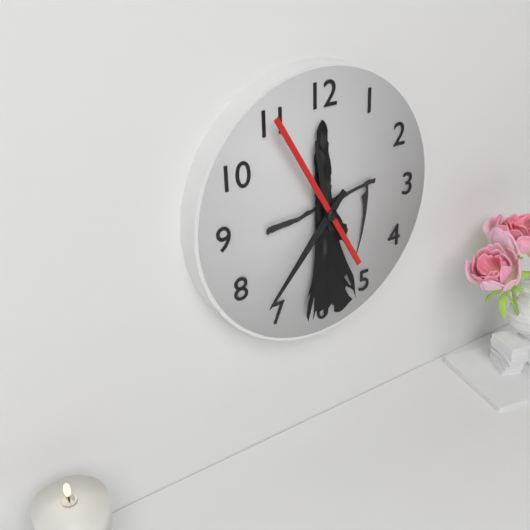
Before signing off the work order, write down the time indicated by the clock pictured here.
11:37:55
